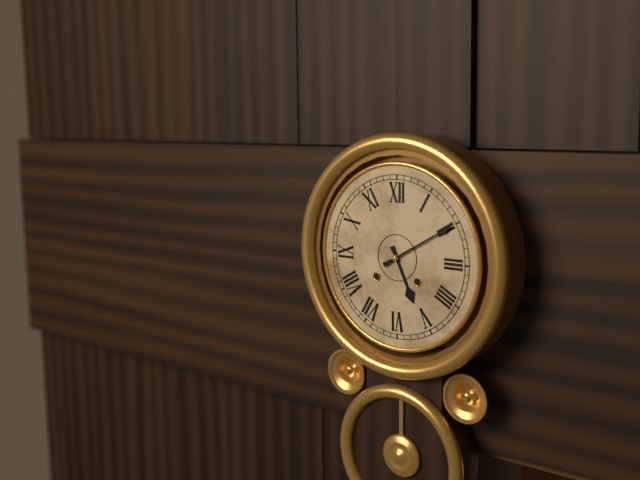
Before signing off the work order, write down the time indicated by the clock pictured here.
5:10
